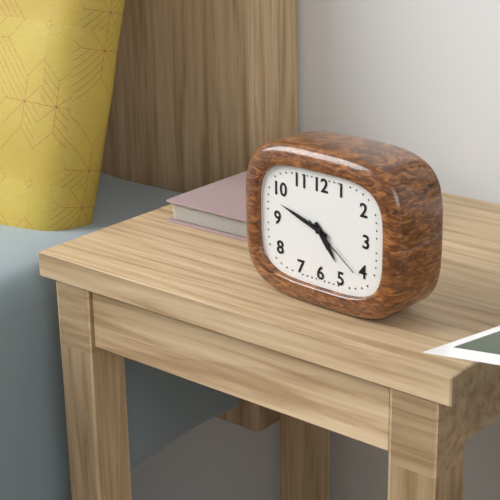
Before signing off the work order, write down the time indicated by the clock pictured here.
4:48:21
